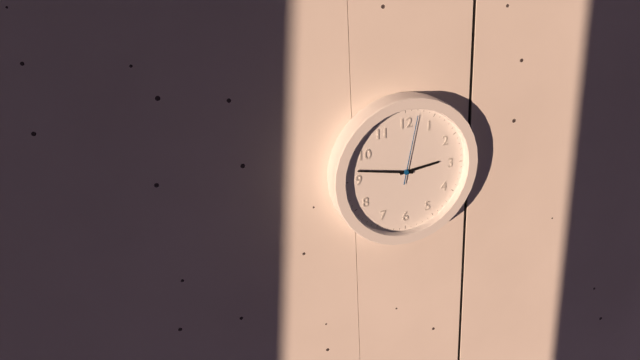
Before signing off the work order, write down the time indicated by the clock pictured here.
2:47:02
